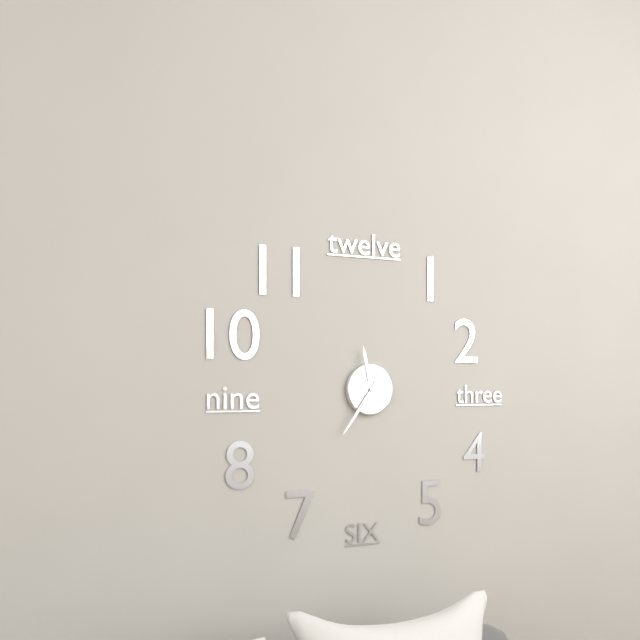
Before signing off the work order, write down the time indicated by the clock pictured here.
11:36
